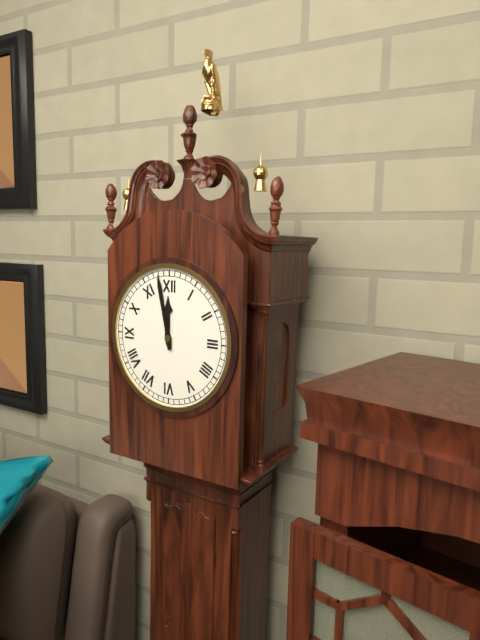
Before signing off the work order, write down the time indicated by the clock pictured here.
11:58
